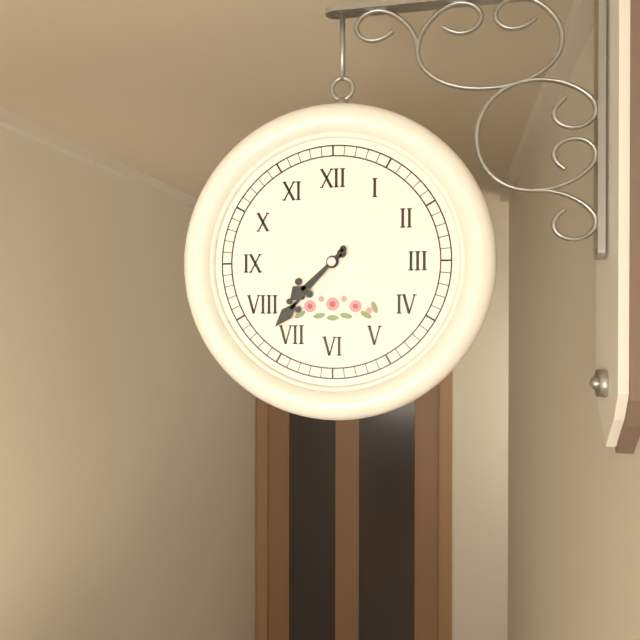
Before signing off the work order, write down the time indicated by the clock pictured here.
7:37
